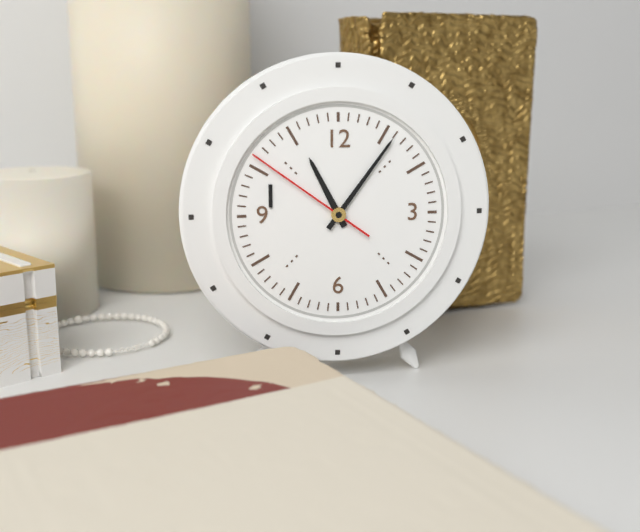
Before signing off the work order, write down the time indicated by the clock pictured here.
11:06:51
